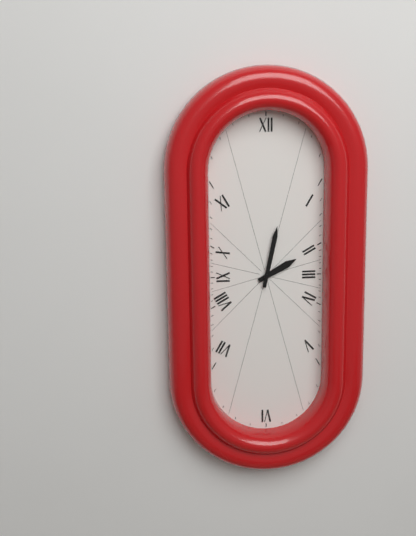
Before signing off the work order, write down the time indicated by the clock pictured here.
2:02
